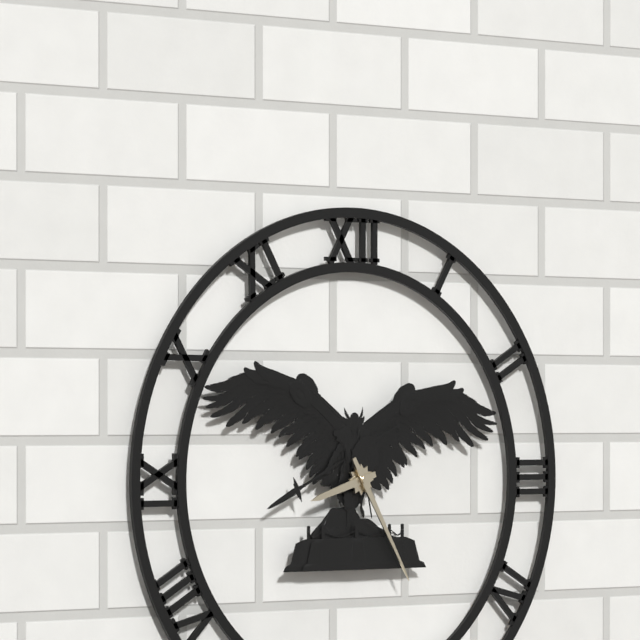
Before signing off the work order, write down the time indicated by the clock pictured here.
8:25
